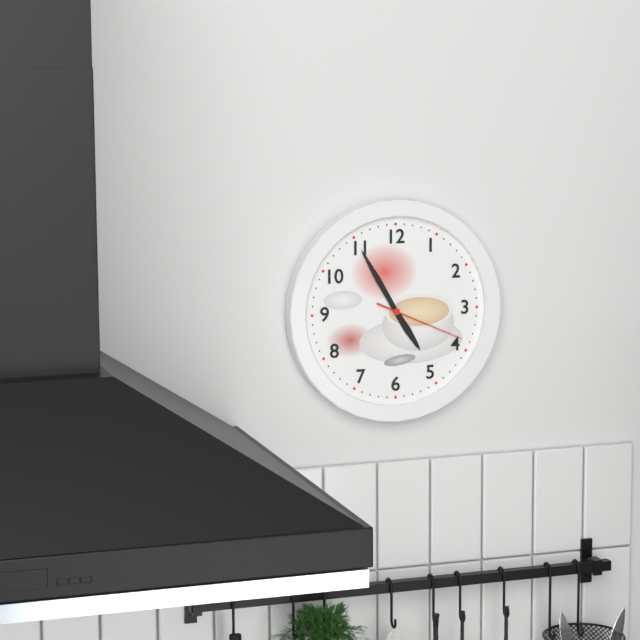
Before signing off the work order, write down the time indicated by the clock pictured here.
4:55:19
